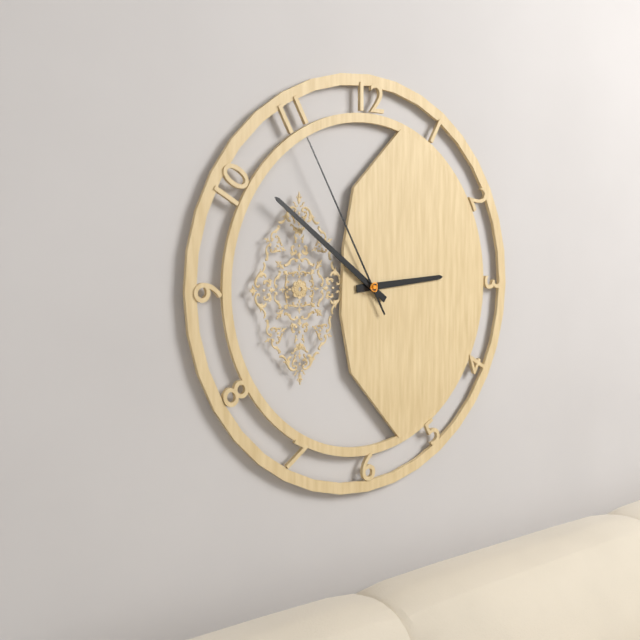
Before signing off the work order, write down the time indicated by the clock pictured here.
2:51:55
